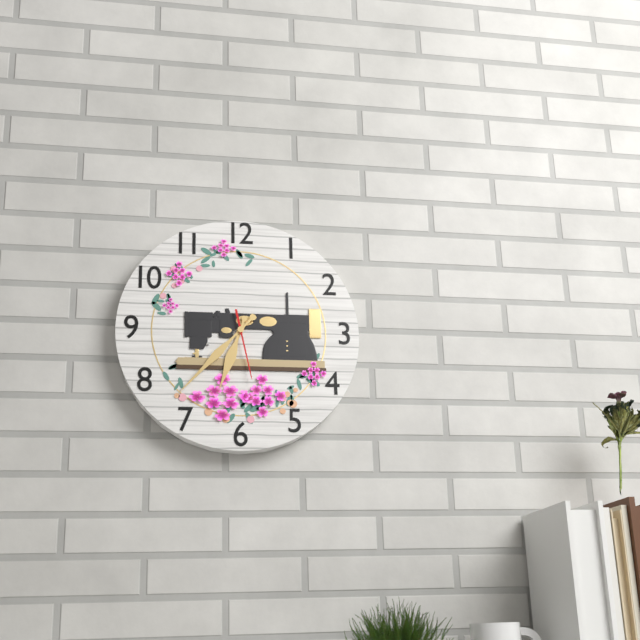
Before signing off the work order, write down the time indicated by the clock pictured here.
6:37:28
